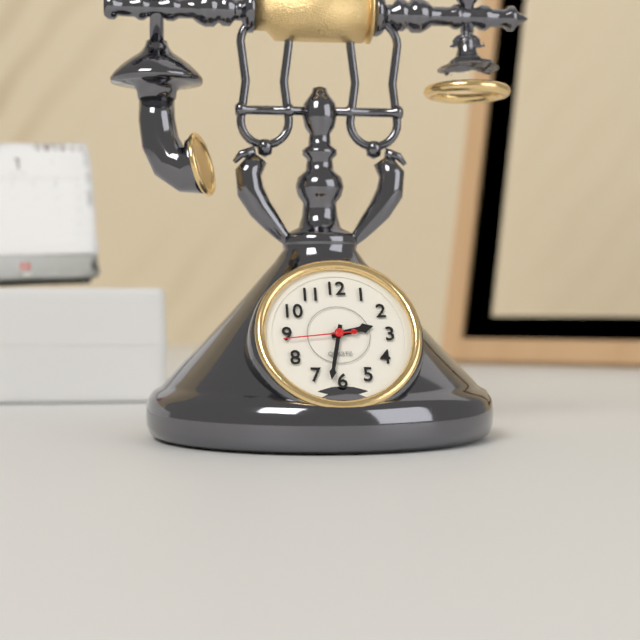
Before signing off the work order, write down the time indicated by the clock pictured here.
2:32:44
